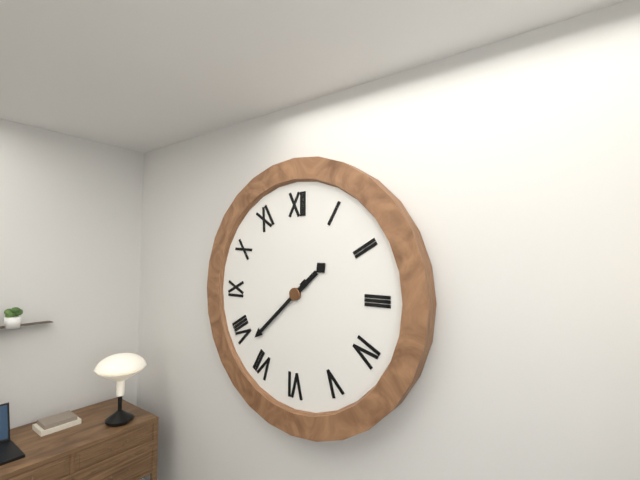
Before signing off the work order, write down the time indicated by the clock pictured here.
1:38
